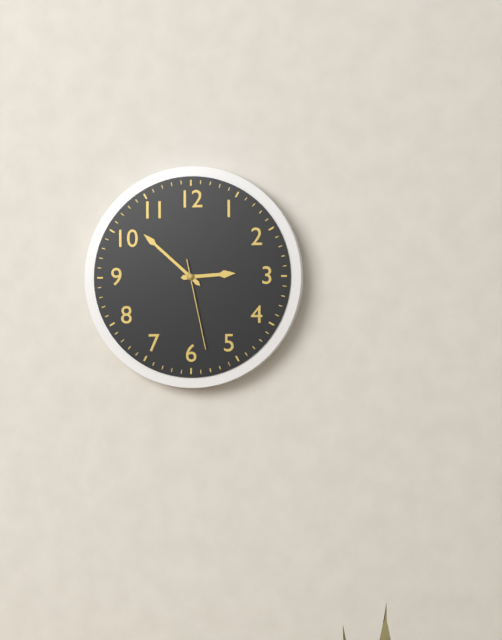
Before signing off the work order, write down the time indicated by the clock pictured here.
2:52:28
